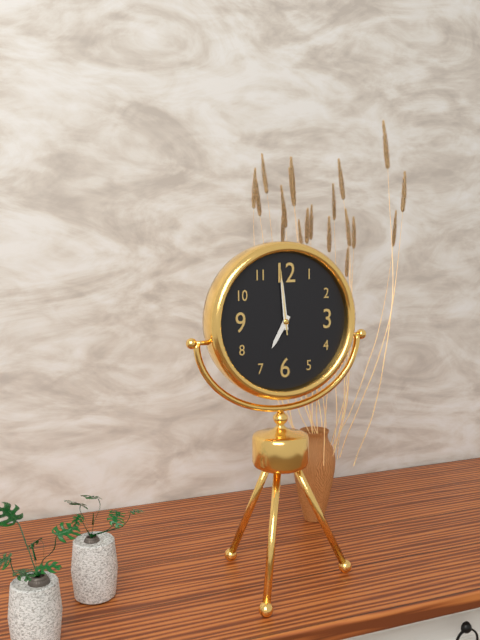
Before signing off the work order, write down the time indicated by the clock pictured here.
6:59:59
